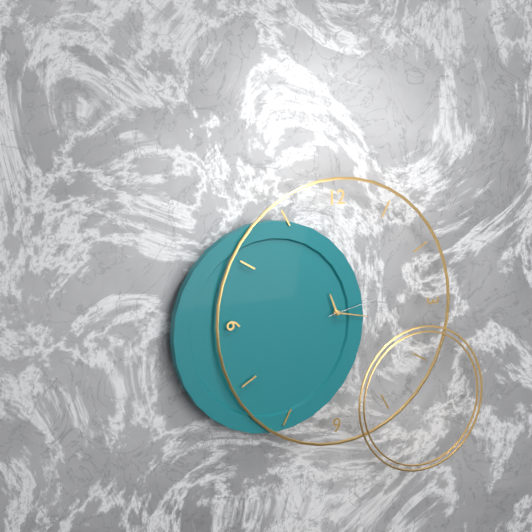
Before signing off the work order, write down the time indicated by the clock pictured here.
11:17:13
